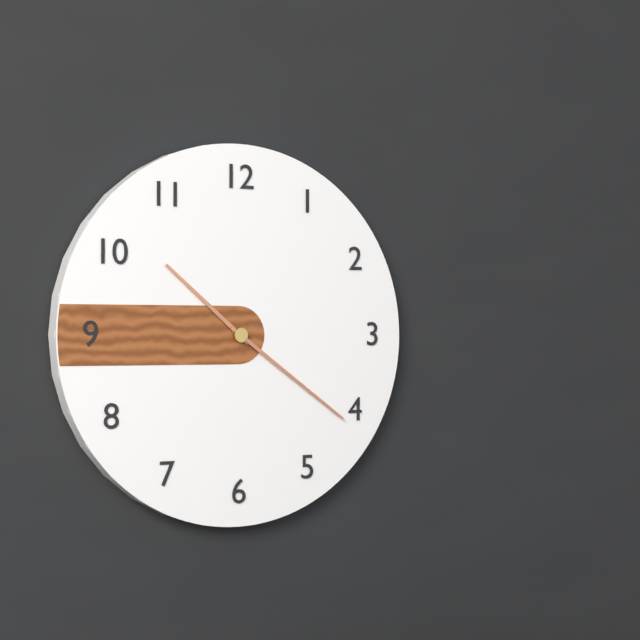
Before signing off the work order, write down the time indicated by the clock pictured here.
10:21
